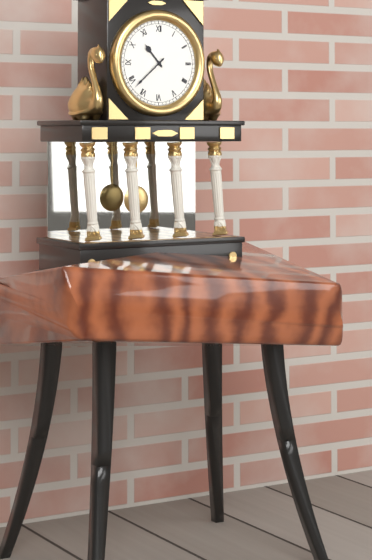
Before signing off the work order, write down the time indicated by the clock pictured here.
10:38
